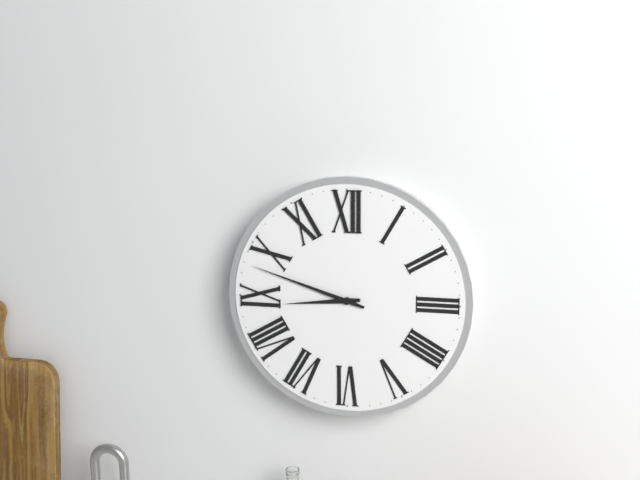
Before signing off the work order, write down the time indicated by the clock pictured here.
8:48
